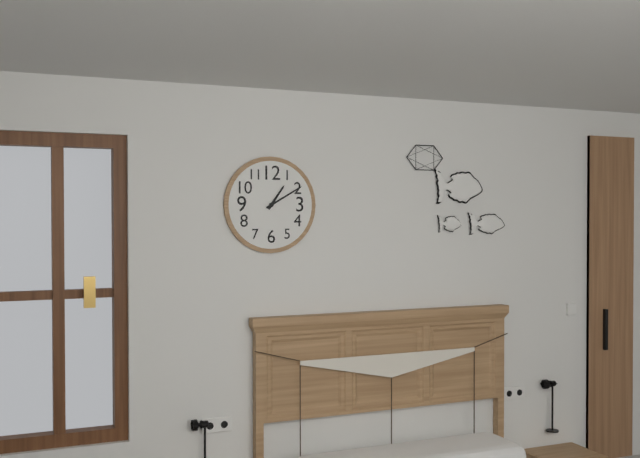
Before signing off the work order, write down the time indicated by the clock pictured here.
1:10
